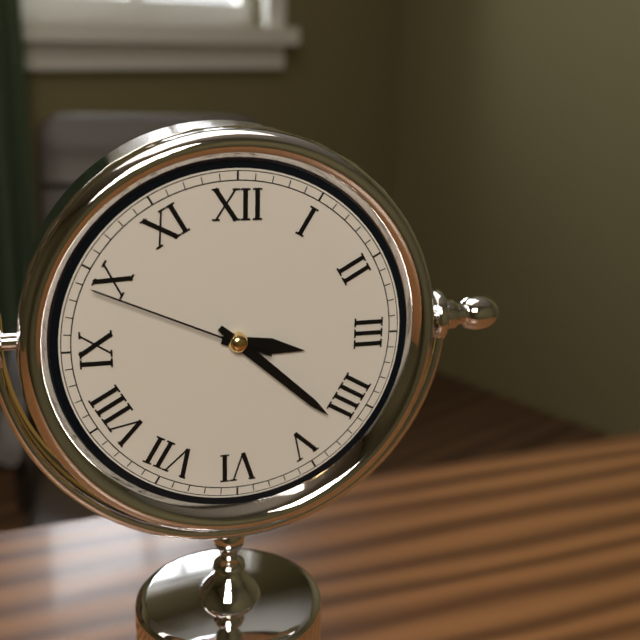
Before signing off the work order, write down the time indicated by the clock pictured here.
3:22:49
